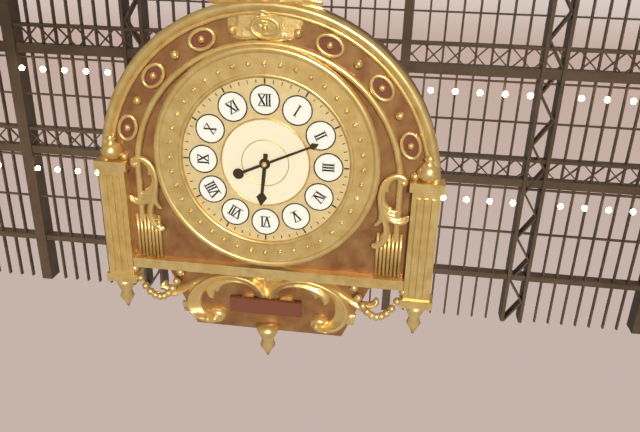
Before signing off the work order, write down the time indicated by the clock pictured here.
6:11
